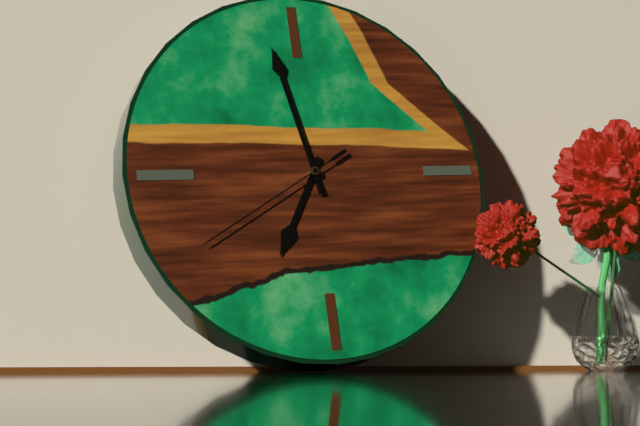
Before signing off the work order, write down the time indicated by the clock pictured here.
6:58:40
